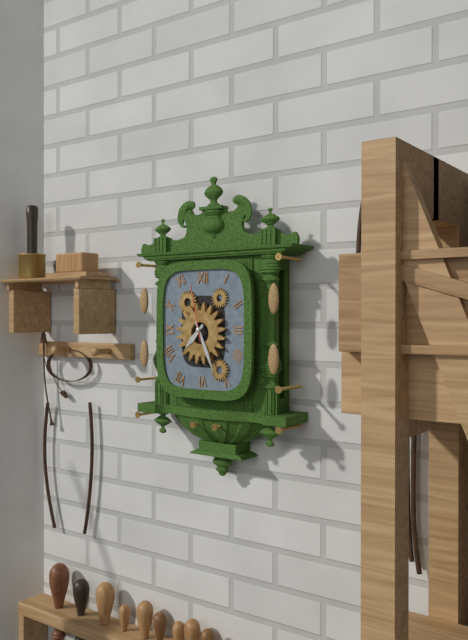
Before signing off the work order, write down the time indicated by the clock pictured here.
7:26:58
